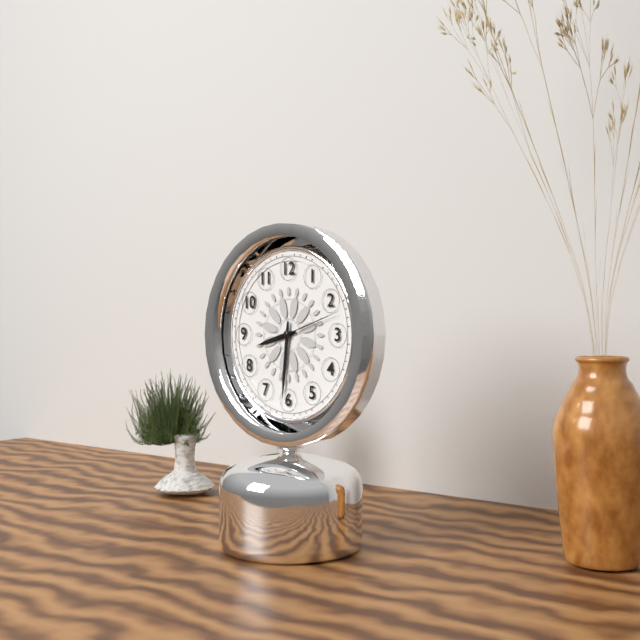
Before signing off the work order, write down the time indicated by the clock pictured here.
8:31:12
